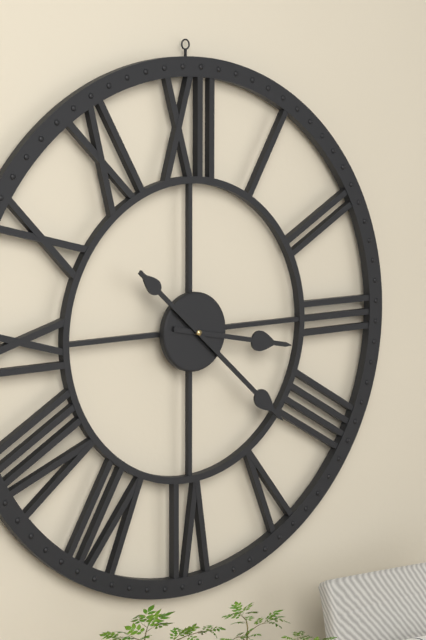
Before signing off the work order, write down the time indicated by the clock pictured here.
3:22
